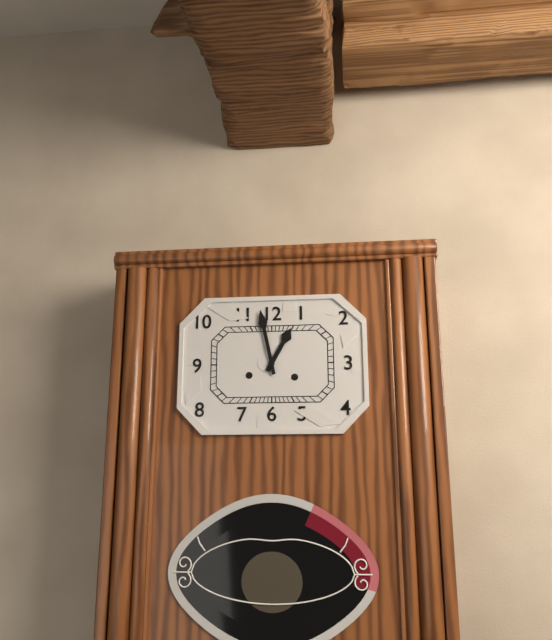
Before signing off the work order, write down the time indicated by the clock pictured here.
12:58
